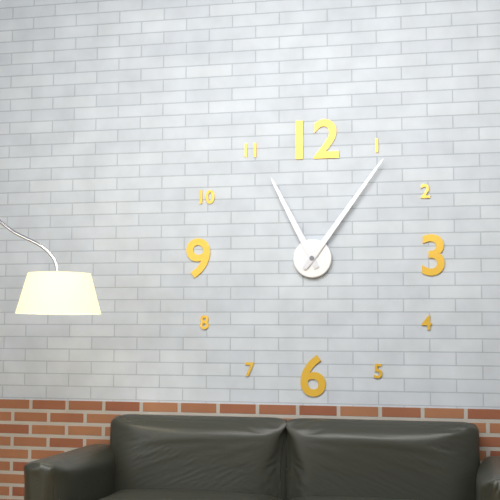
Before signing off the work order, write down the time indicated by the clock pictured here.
11:06
